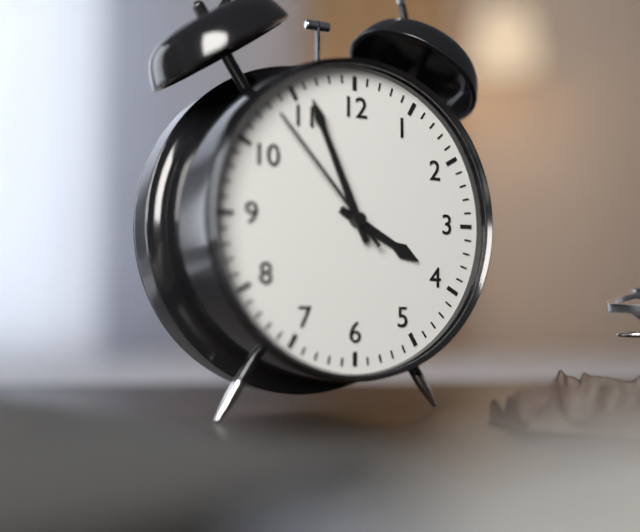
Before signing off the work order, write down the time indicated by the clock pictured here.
3:56:53
